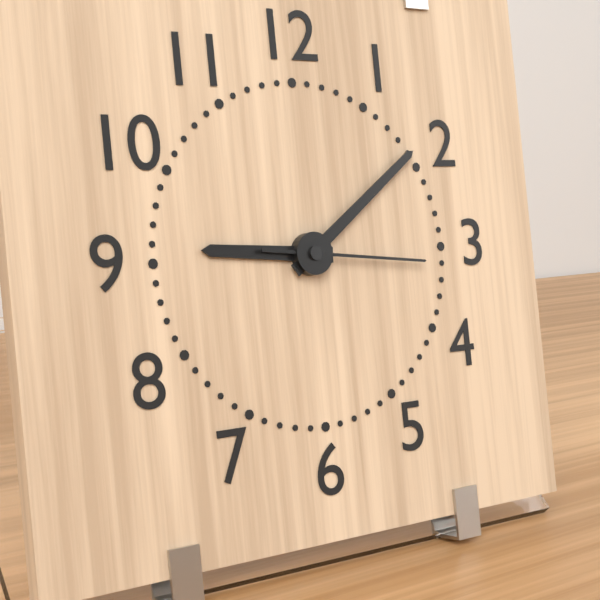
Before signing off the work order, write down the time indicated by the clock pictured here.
9:09:16
